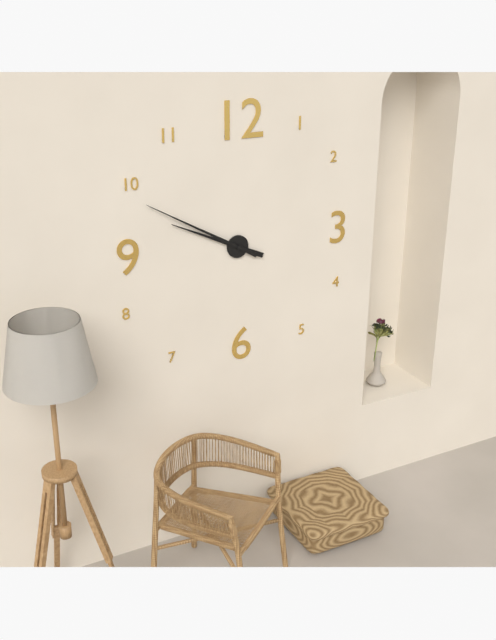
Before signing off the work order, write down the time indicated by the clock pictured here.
9:50
